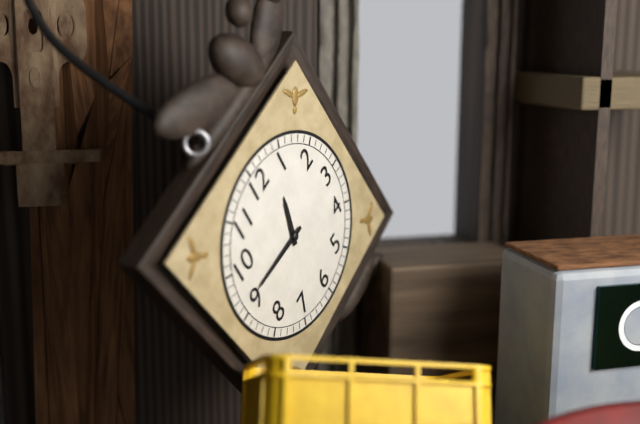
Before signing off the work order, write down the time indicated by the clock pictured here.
12:46
